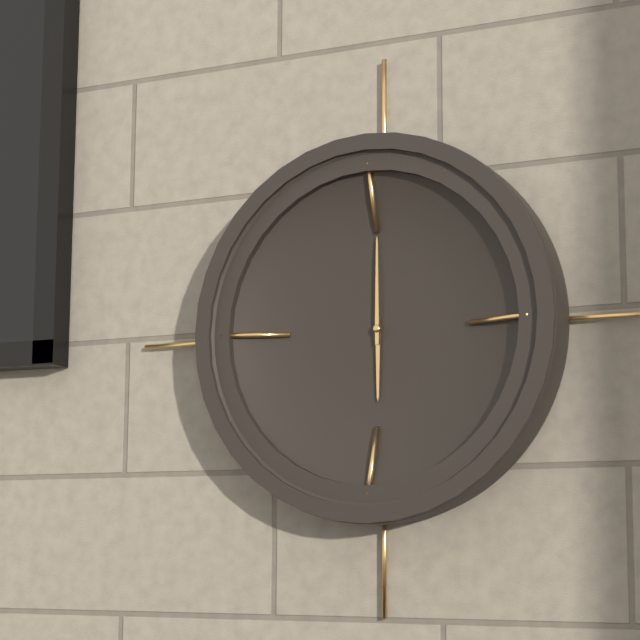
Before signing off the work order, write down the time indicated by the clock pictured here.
6:00
